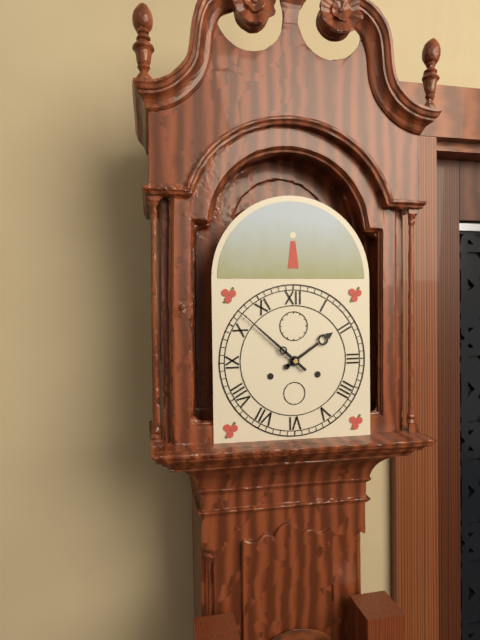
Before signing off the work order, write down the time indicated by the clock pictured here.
1:52
